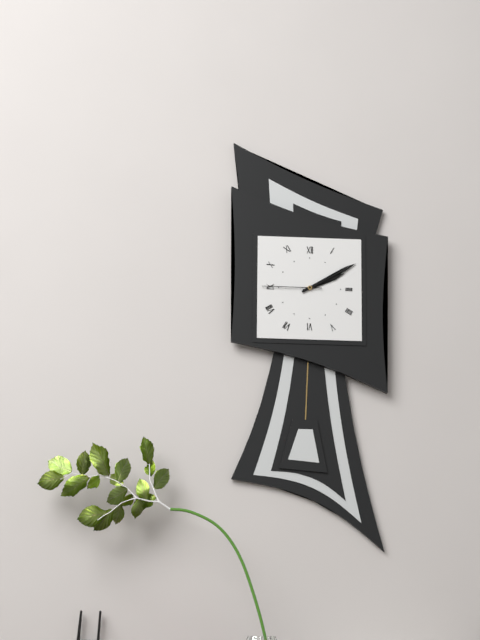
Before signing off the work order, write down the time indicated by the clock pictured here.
2:10:45
